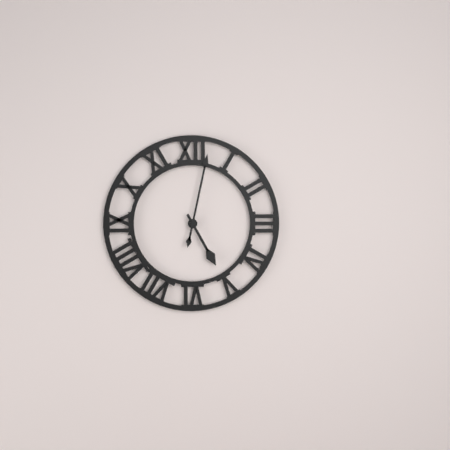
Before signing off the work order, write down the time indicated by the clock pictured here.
5:02
